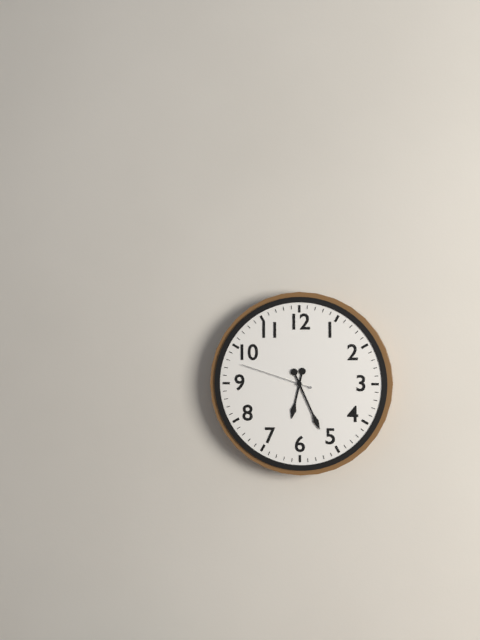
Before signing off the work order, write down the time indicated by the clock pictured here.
6:26:48
